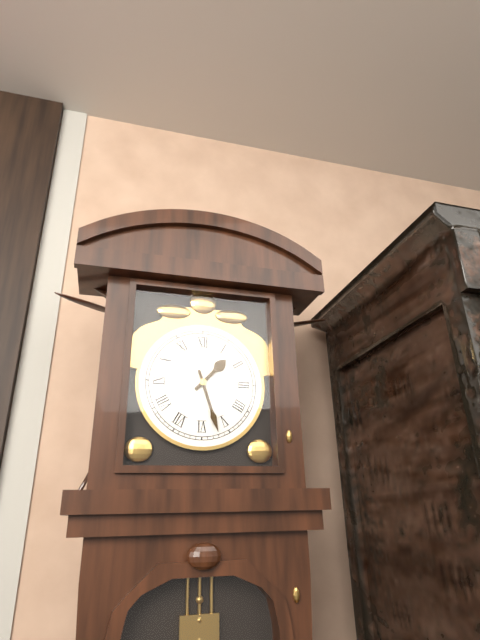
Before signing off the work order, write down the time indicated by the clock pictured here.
1:27
